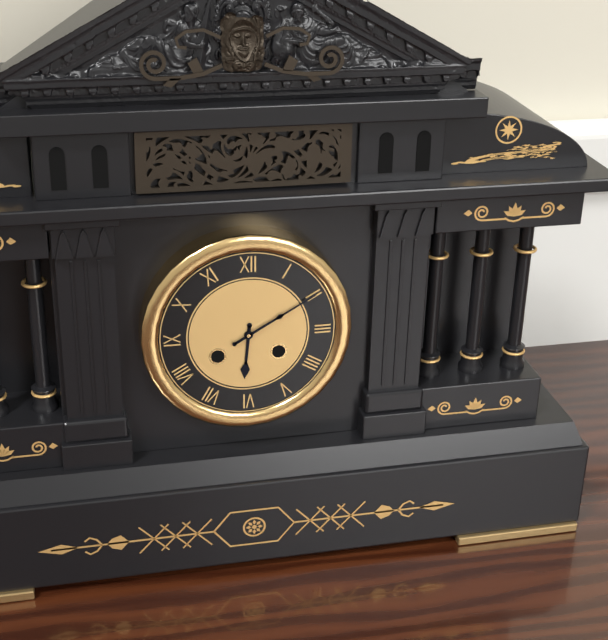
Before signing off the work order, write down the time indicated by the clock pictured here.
6:10
